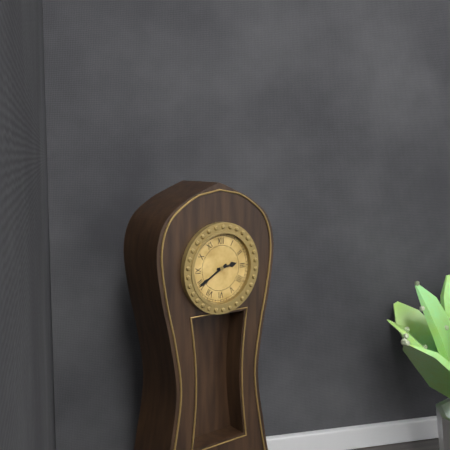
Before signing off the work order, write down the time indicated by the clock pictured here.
2:40
